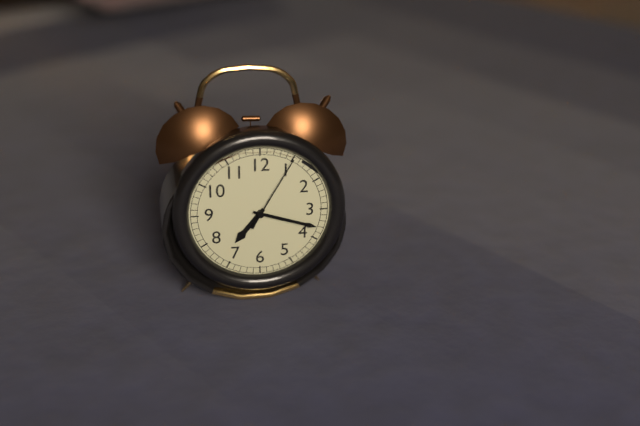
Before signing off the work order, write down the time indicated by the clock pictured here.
7:18:05
